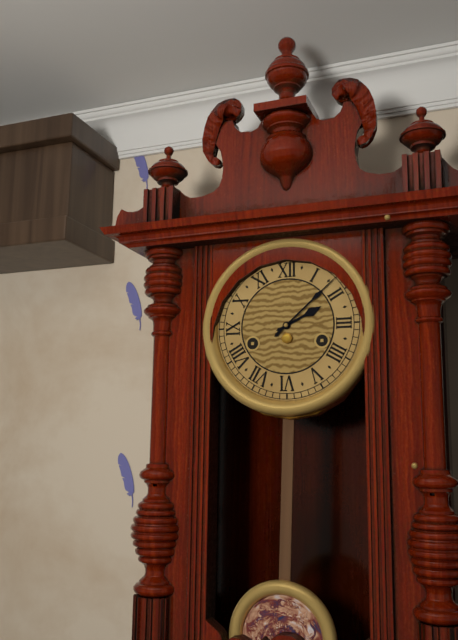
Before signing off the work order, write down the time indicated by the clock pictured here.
2:08
